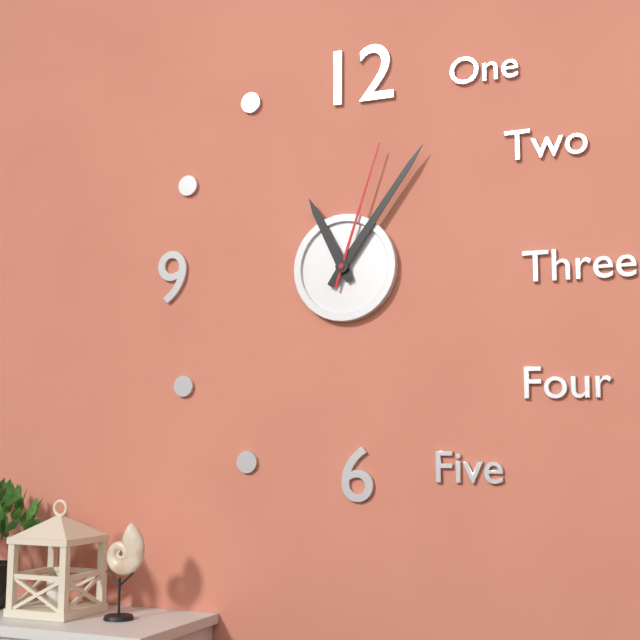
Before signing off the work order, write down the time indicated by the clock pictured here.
11:06:03
